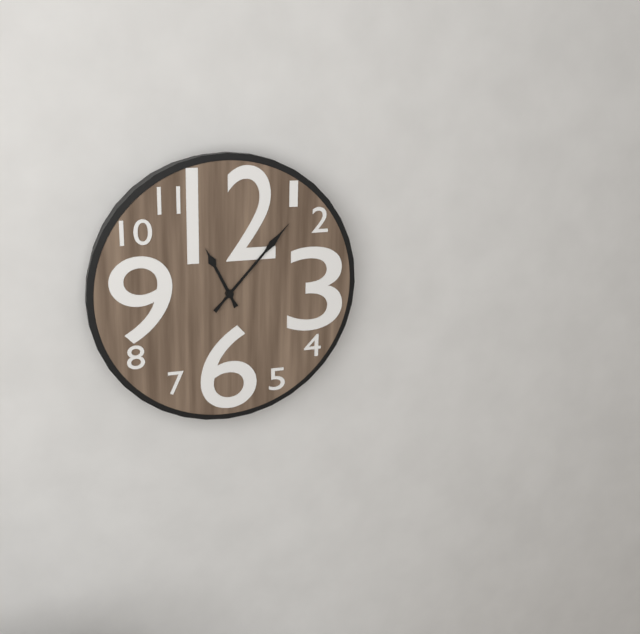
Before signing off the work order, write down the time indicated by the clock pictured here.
11:07
